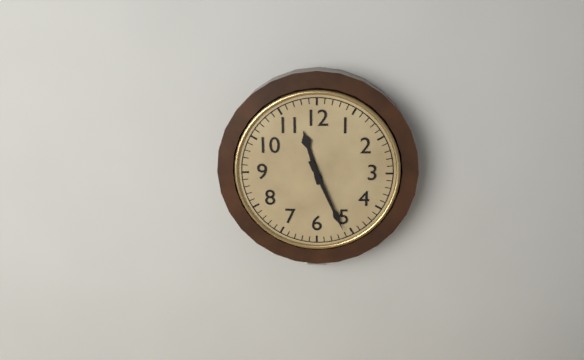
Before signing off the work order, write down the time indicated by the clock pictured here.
11:26
